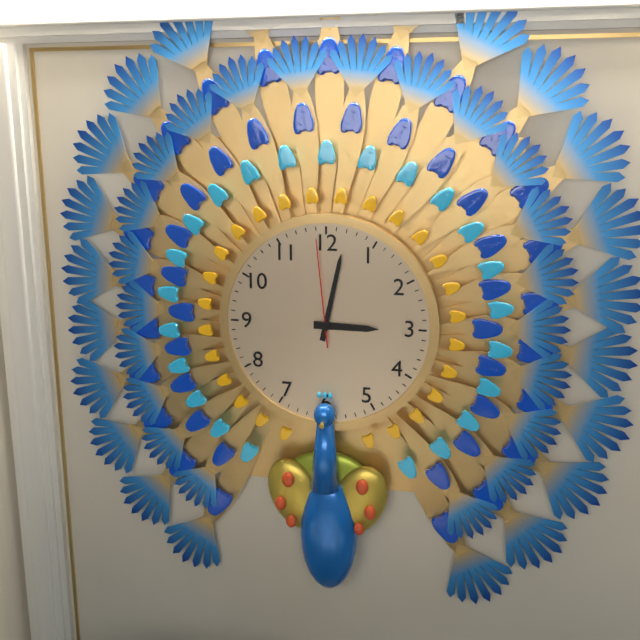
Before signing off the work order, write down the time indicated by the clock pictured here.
3:02:59
